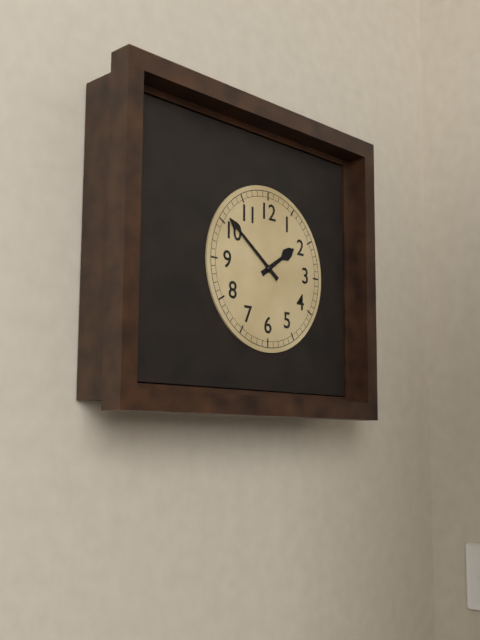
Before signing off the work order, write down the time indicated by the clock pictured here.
1:51
